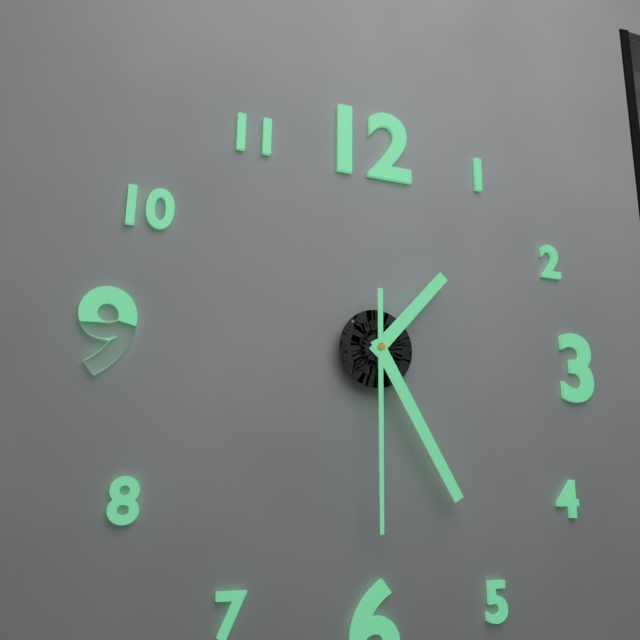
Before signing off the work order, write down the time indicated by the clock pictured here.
1:25:30
